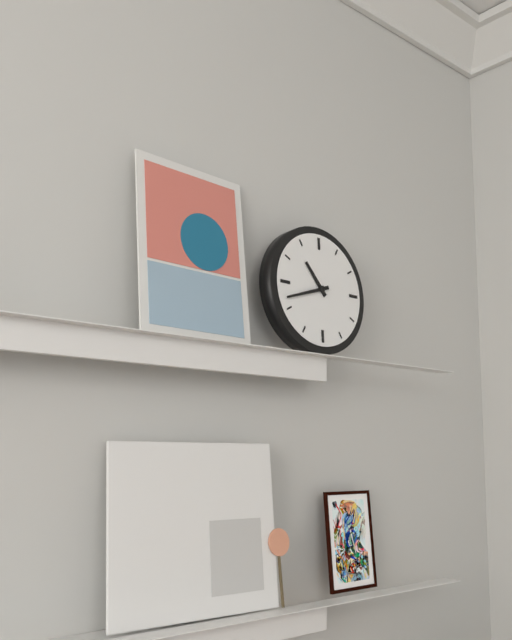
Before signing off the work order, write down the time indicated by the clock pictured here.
10:42
